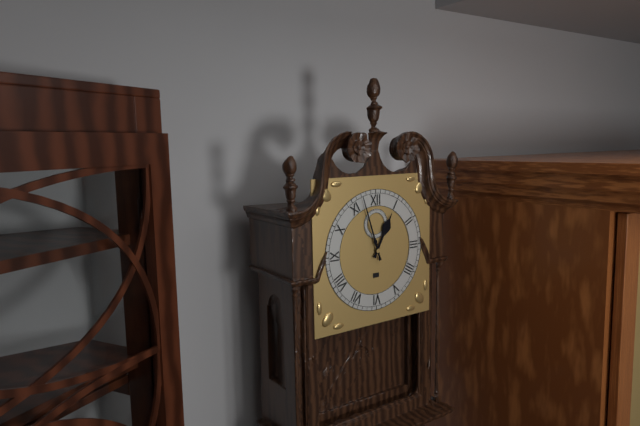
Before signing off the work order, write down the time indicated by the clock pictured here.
12:57
